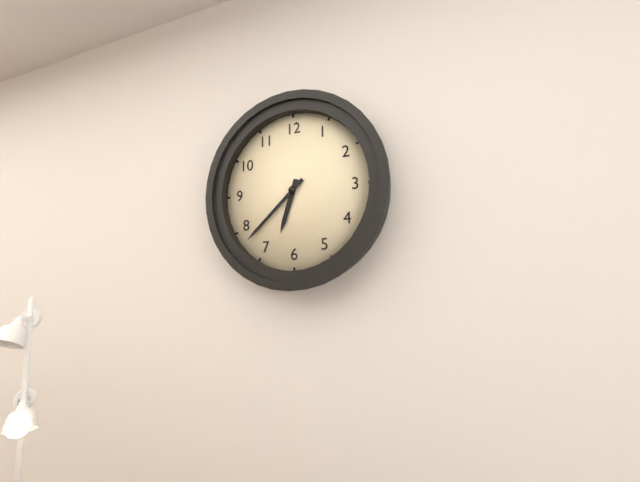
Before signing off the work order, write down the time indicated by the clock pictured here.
6:38
